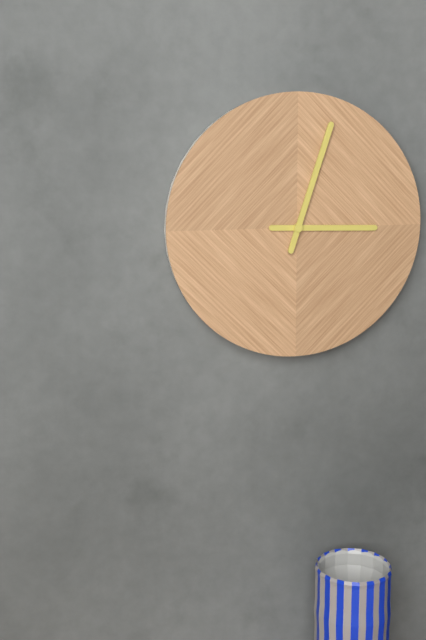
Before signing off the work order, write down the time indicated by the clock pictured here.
3:03
